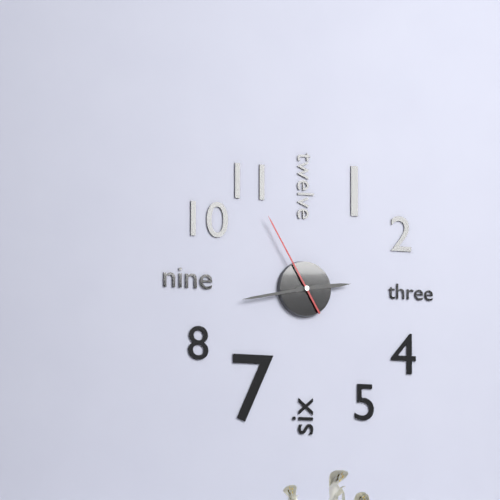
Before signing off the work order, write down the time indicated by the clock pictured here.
2:43:55
